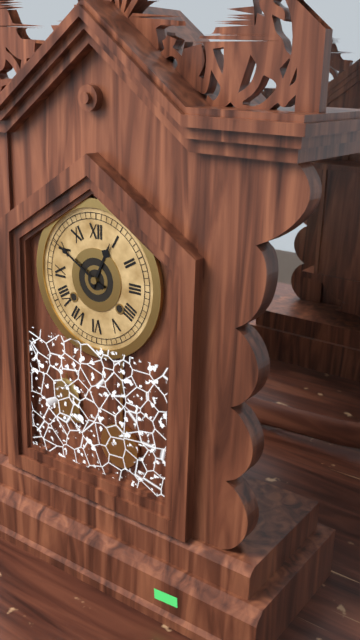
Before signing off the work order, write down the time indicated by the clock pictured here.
12:50
